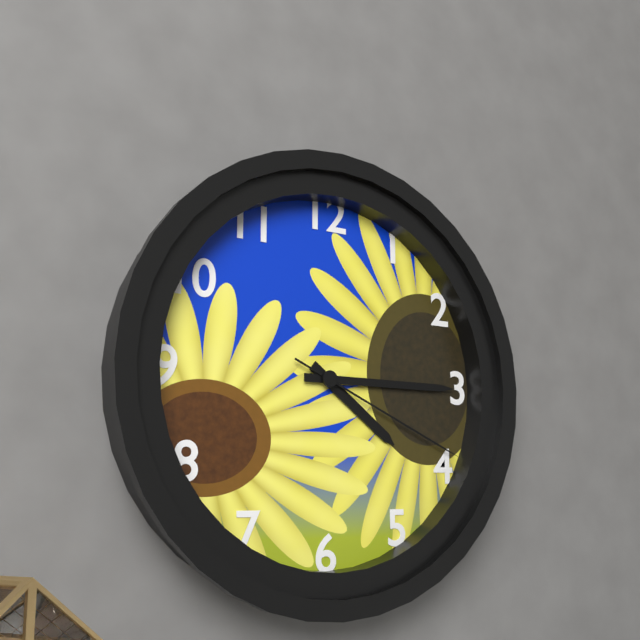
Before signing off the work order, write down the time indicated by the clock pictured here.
4:15:19
